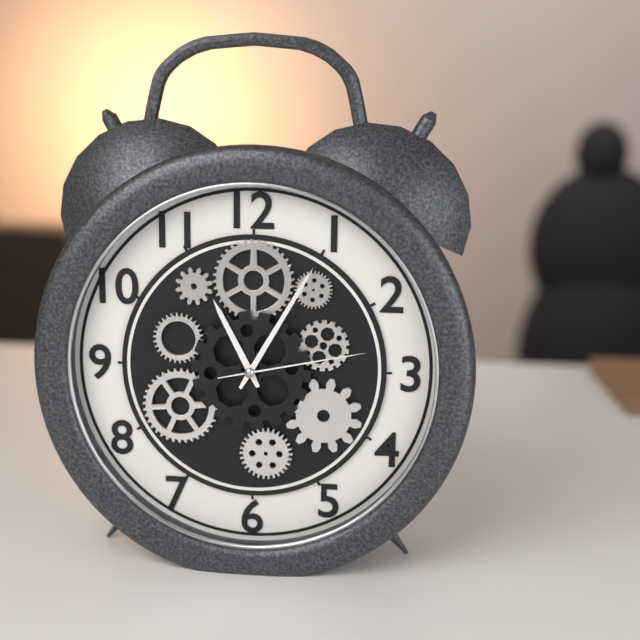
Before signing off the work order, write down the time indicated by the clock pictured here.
11:05:13
